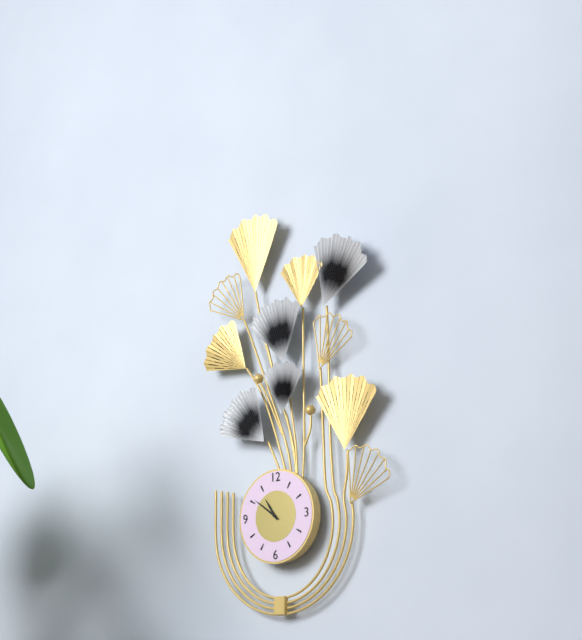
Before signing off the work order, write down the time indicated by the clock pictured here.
10:51
